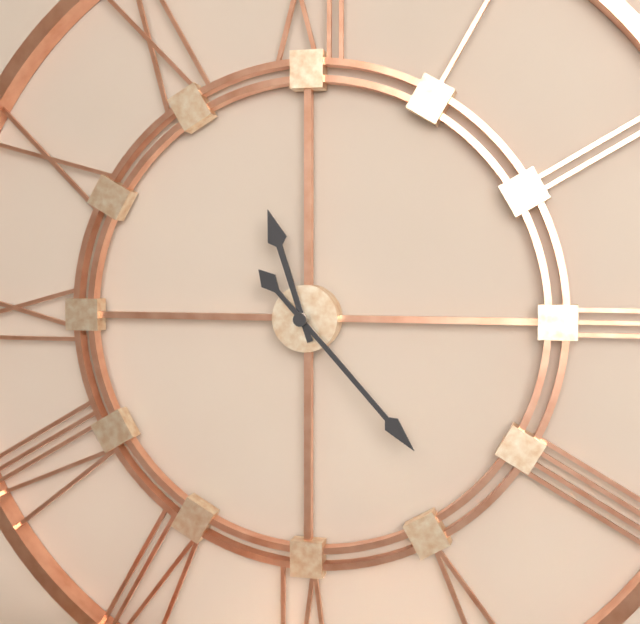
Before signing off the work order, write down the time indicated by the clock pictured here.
11:23
